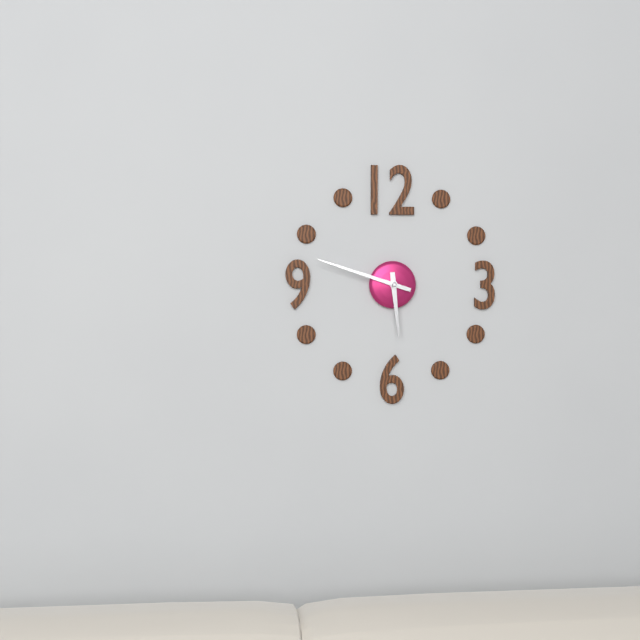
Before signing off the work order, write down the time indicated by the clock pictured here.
5:48
